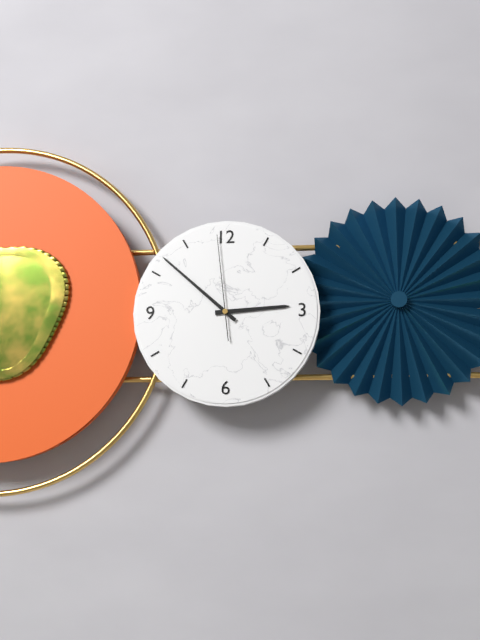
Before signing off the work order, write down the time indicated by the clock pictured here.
2:52:59
